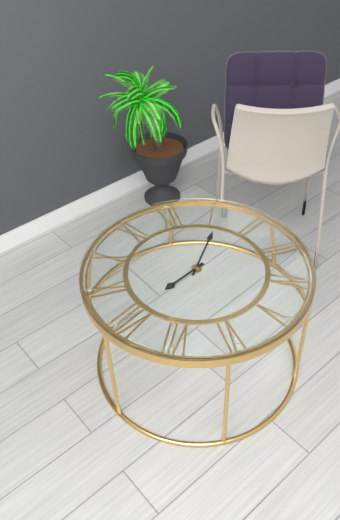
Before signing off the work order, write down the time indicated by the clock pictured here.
8:06
